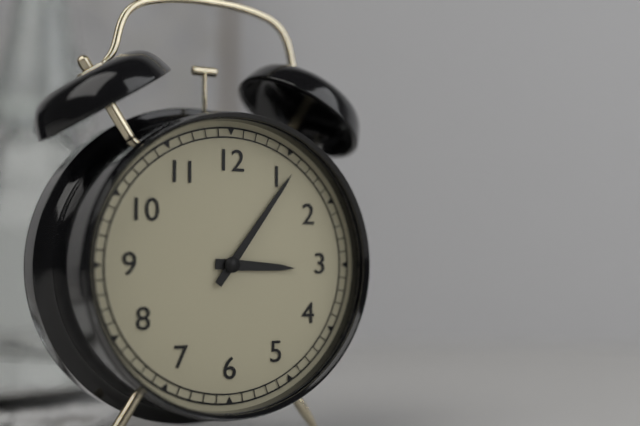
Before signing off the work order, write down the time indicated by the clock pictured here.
3:06
